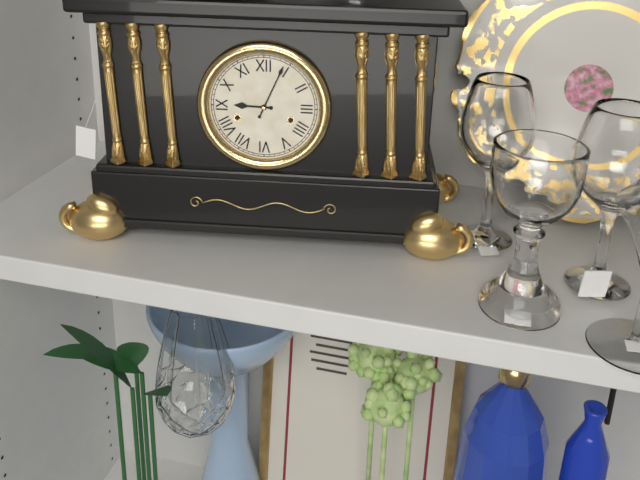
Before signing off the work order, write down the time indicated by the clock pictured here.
9:04
